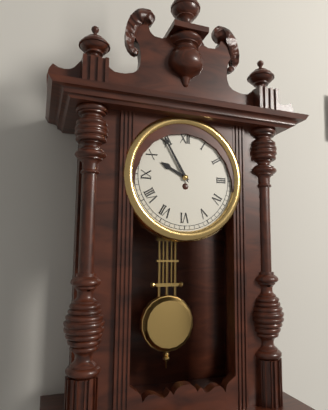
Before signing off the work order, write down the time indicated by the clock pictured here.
9:55
